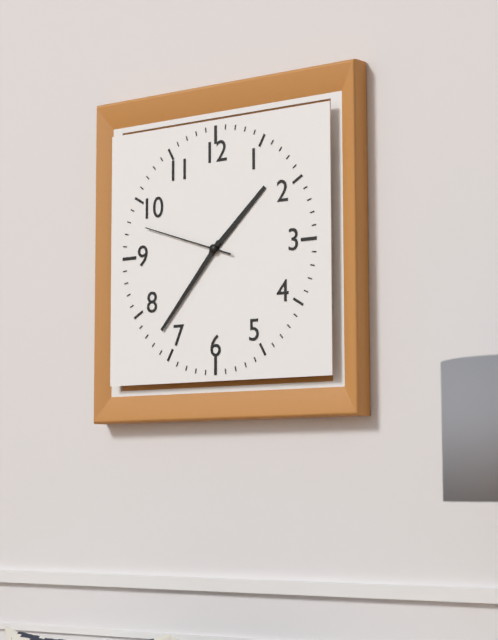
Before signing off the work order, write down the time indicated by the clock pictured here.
1:37:48
